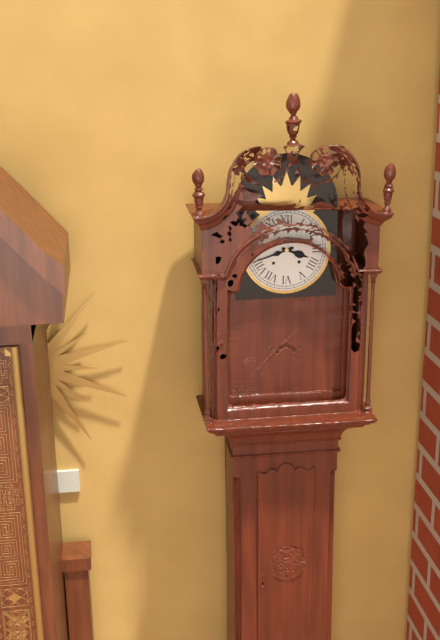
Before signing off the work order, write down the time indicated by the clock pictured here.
3:42
